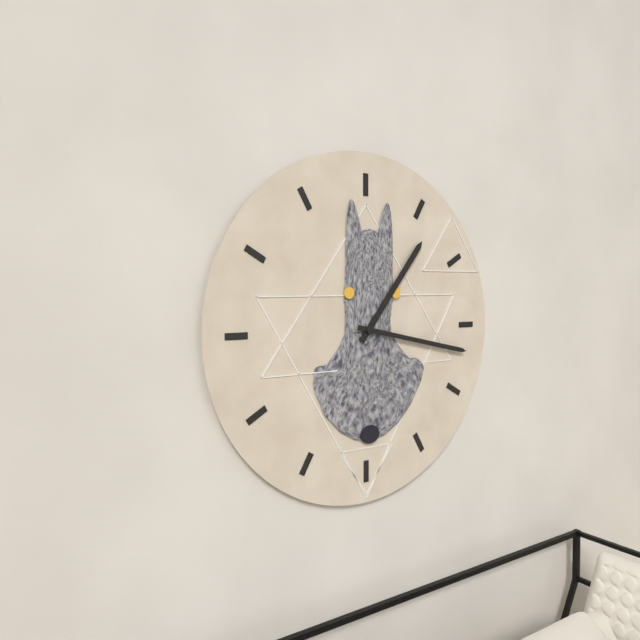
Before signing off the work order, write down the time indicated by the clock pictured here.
1:17
